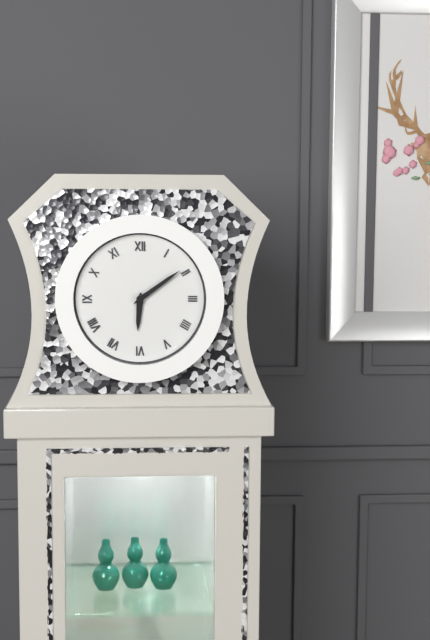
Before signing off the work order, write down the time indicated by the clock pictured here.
6:09
